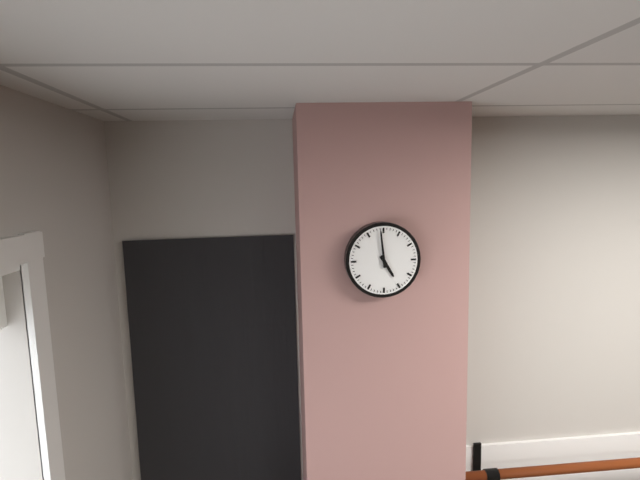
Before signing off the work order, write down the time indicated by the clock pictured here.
4:59
